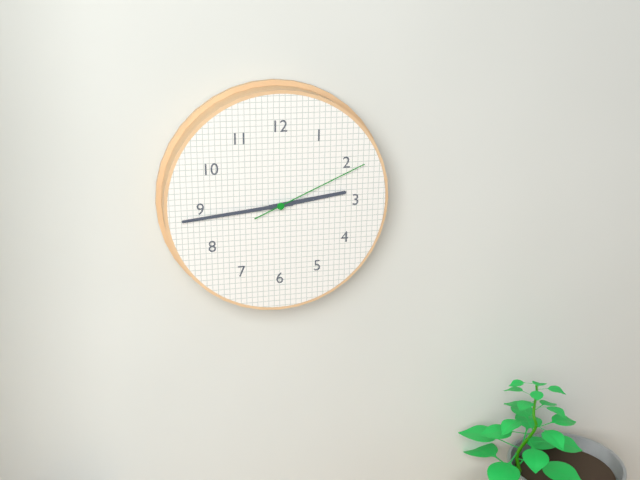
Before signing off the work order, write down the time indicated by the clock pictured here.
2:44:11
